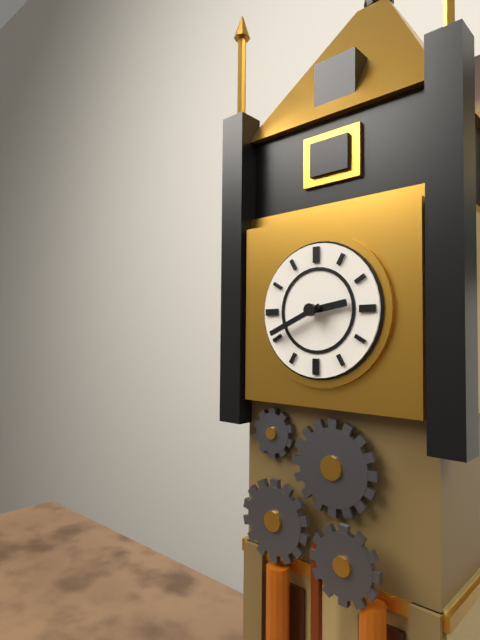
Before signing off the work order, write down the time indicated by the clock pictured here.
2:41
